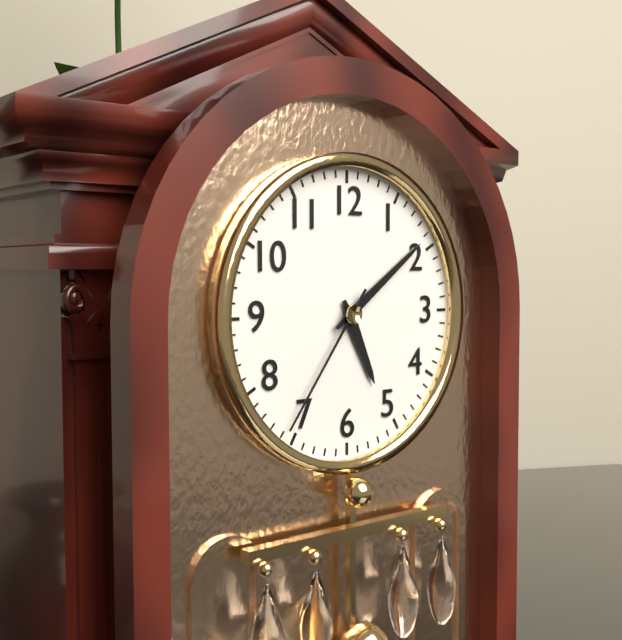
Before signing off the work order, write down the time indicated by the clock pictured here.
5:09:36
